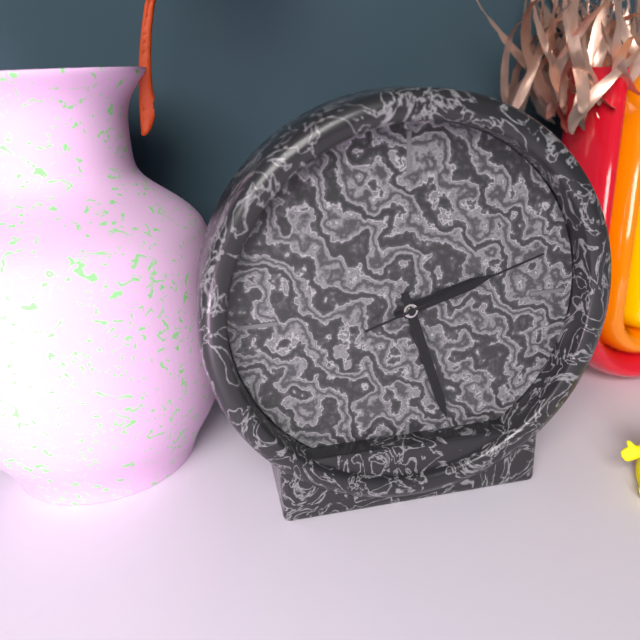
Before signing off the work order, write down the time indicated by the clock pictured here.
2:27:12
